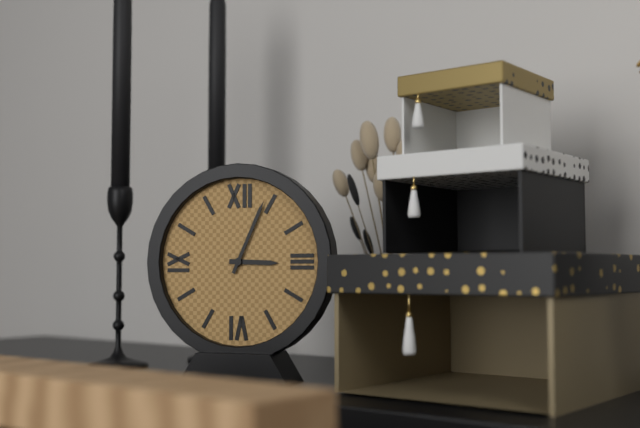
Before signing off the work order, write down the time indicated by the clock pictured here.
3:04
